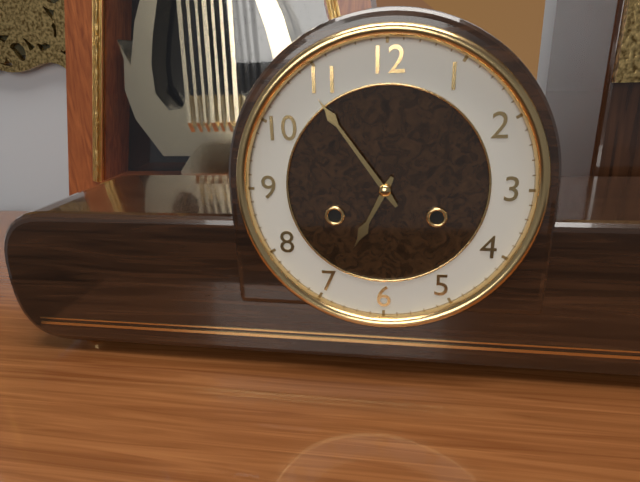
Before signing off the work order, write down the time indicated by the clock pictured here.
6:54
